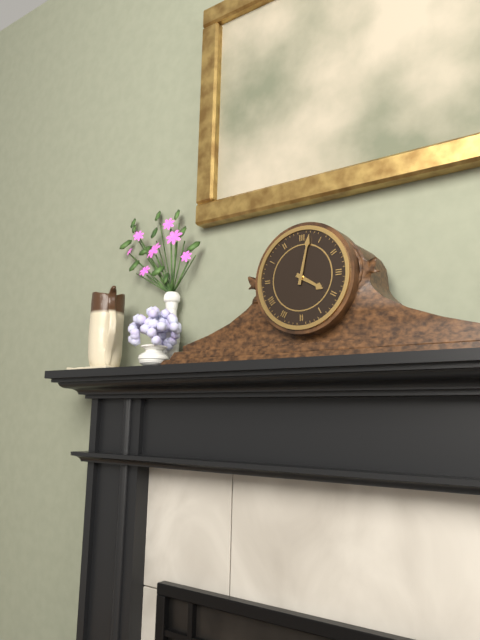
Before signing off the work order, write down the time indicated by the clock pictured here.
4:02
